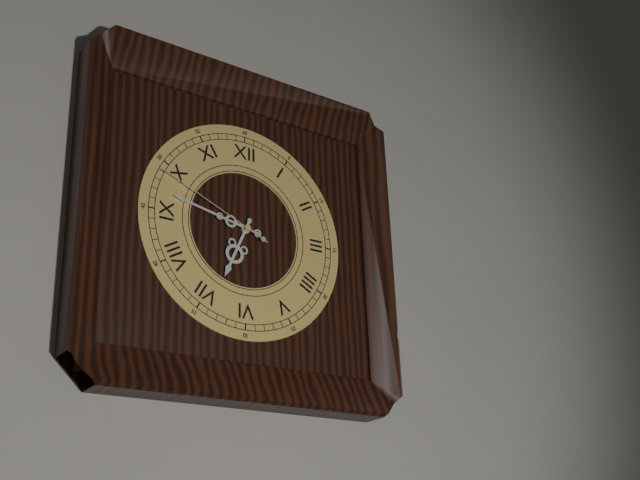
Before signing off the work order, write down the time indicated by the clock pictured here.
6:47:49
